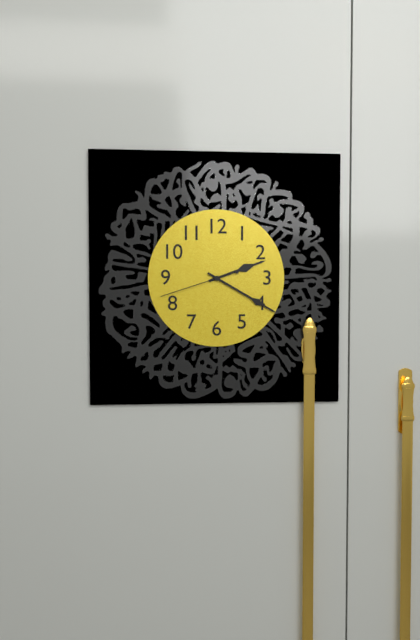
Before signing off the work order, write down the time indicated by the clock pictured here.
2:20:42
